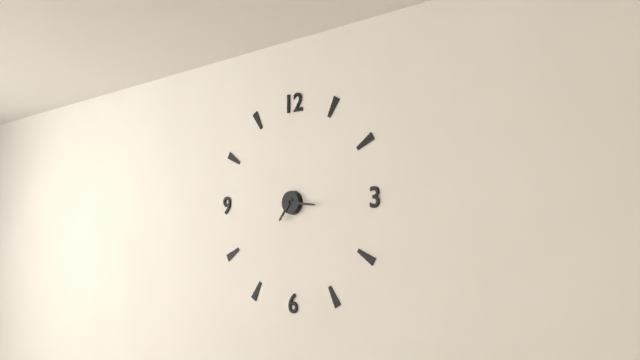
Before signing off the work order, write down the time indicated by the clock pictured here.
7:16
